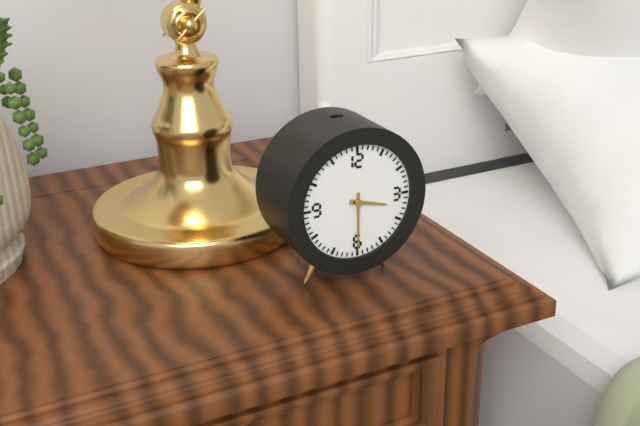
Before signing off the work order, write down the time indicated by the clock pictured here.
3:30
